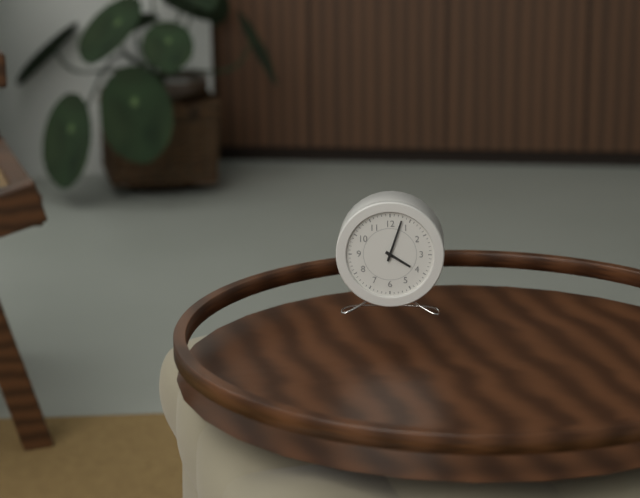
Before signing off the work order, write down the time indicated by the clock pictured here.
4:03
